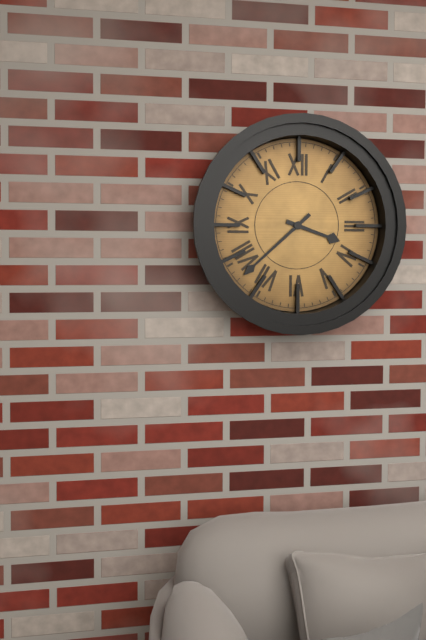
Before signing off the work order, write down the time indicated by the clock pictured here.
3:38
